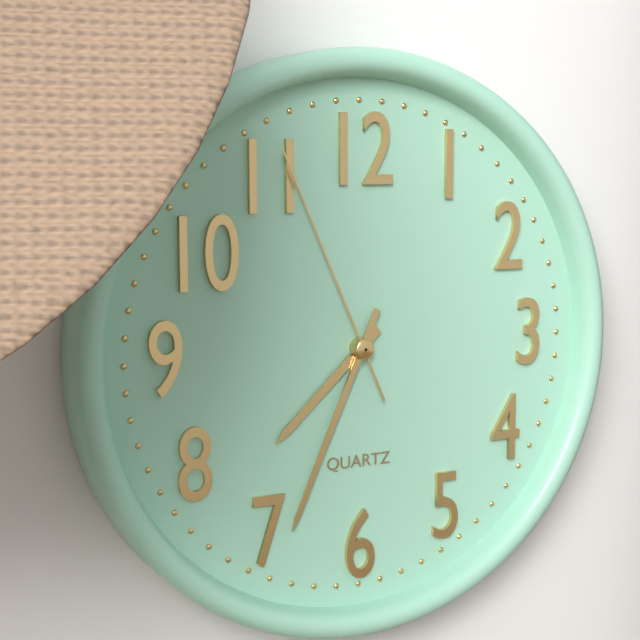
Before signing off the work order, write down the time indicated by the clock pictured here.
7:34:56
